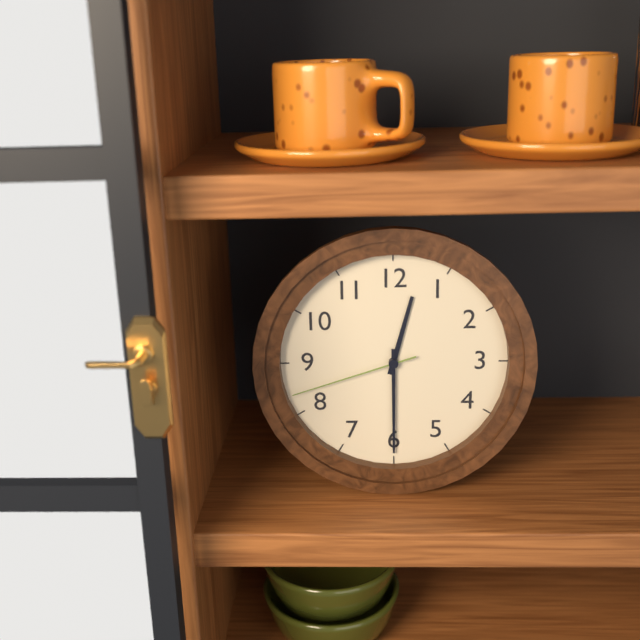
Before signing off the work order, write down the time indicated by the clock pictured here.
12:30:42
